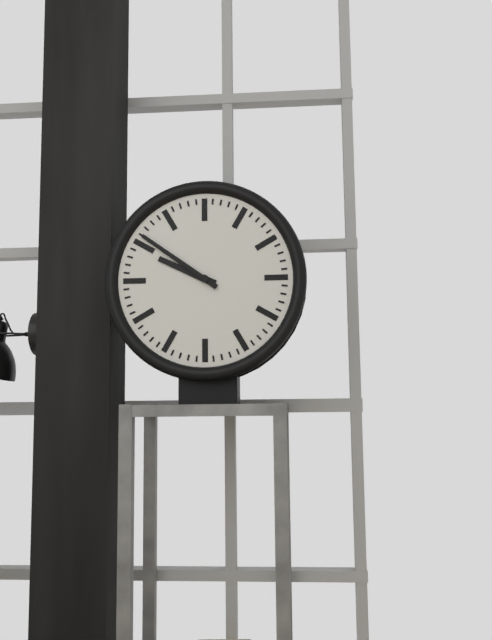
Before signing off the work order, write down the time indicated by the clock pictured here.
9:51
